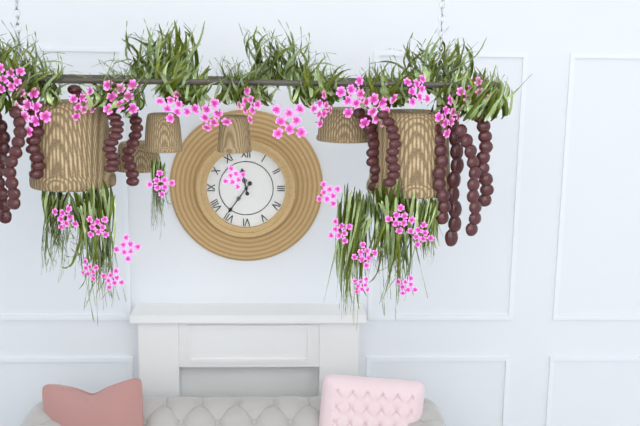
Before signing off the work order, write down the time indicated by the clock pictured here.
11:36
